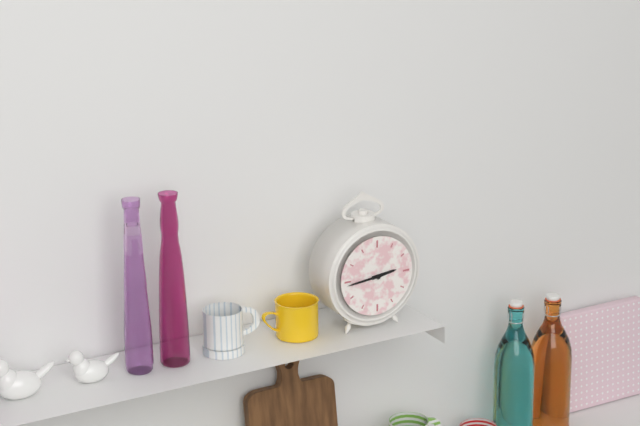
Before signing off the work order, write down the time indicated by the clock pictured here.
2:44
